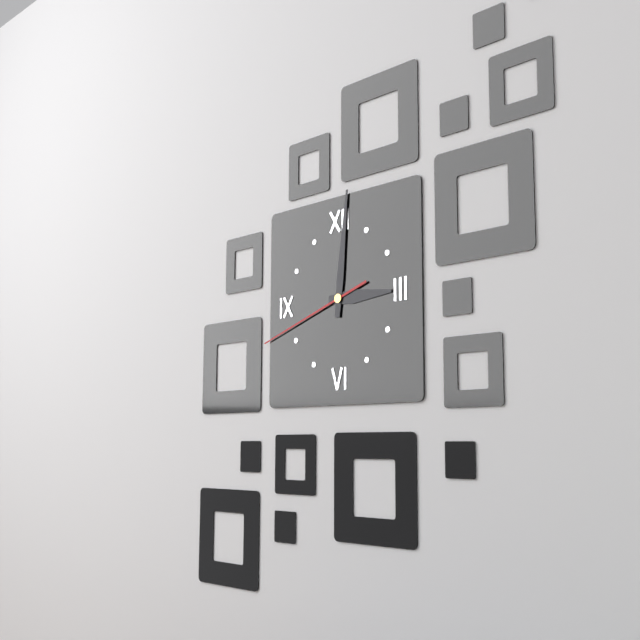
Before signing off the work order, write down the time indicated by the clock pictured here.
3:01:42
